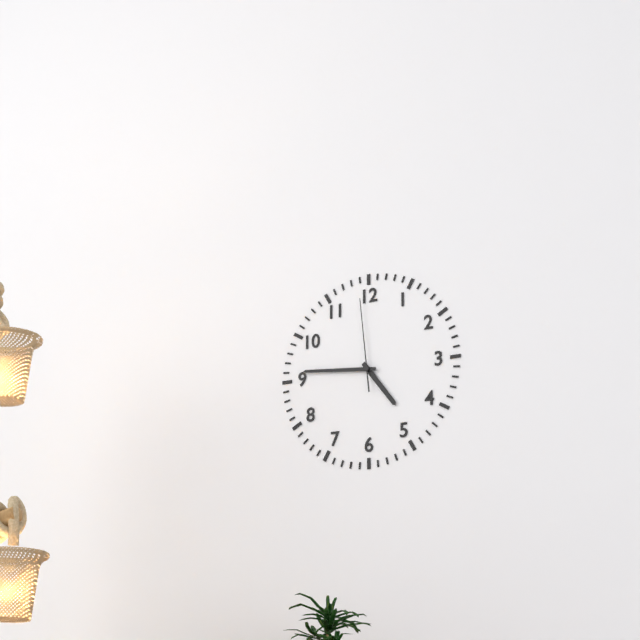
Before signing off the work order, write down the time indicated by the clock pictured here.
4:46:59
